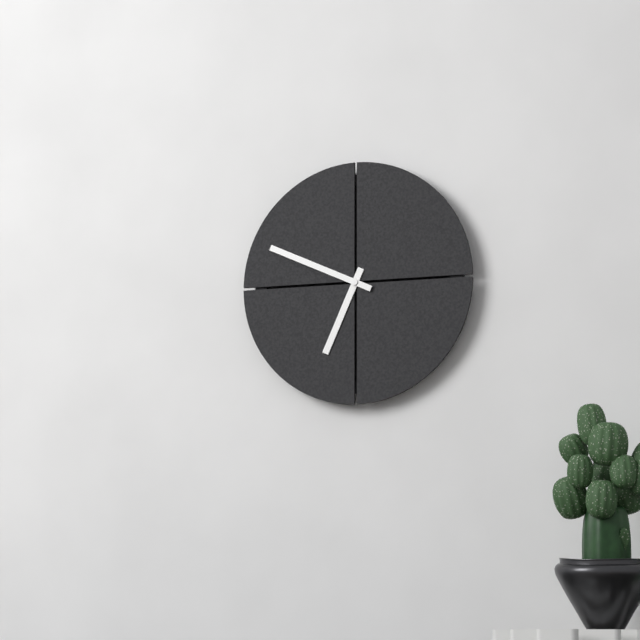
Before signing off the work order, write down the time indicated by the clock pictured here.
6:49
